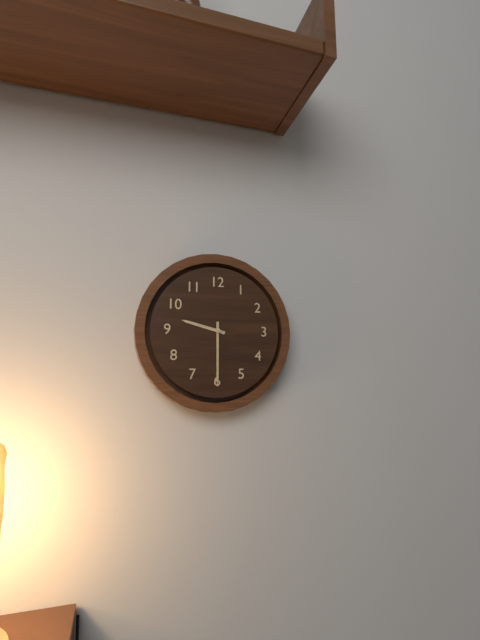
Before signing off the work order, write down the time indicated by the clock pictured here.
9:30
